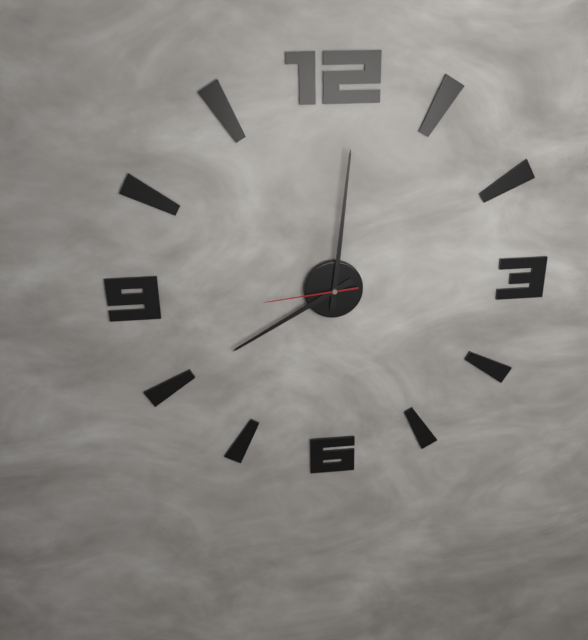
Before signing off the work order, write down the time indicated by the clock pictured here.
8:01:44
